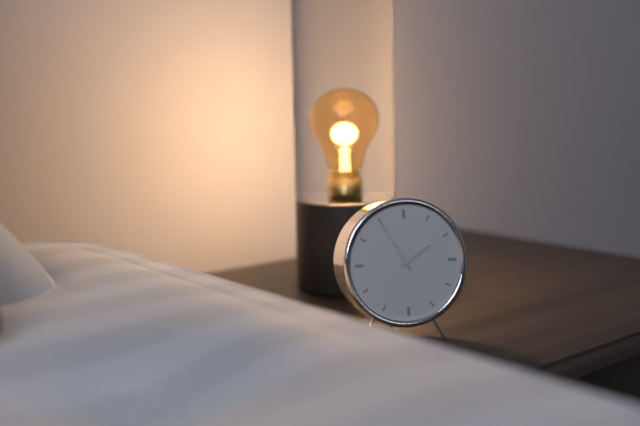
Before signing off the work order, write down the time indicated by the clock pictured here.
1:55
